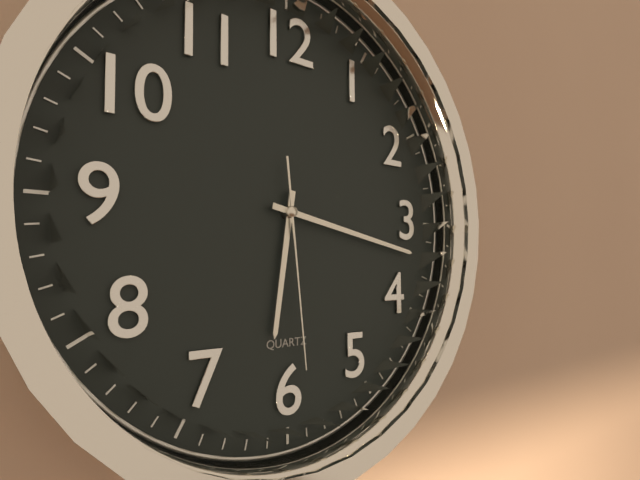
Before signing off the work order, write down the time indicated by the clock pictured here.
6:17:29
